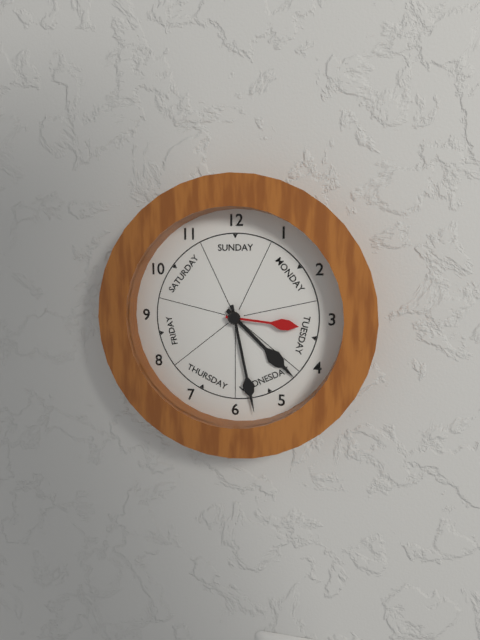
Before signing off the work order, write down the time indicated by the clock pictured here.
4:28:16
